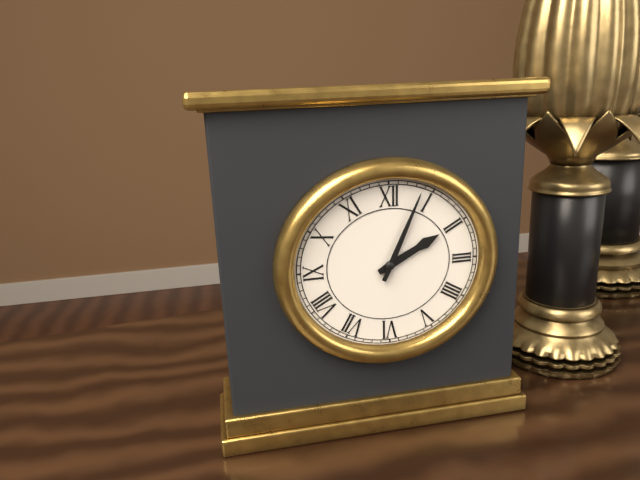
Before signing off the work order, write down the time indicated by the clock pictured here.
2:04
